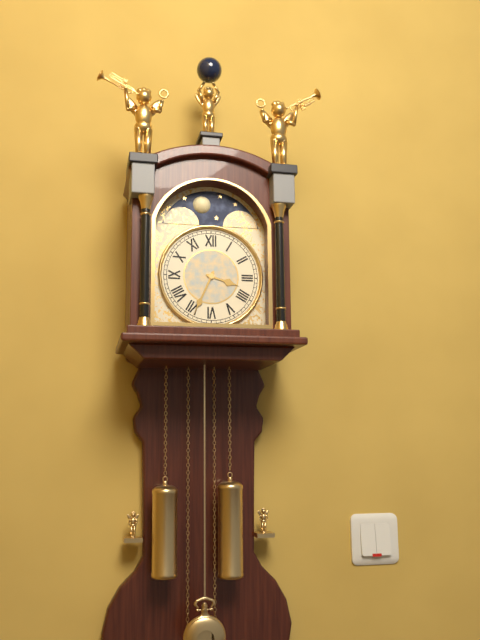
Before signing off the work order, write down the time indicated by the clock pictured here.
3:34
